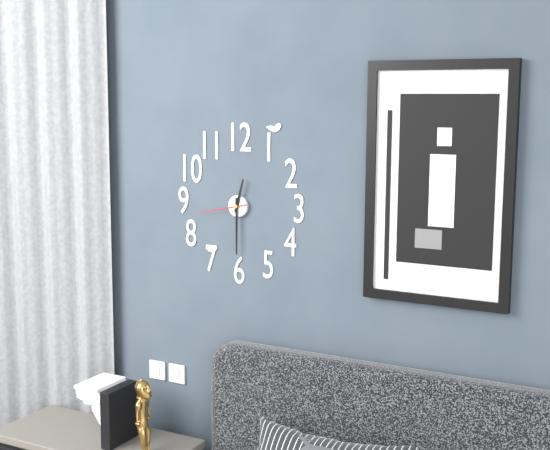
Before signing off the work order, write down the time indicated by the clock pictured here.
12:30
